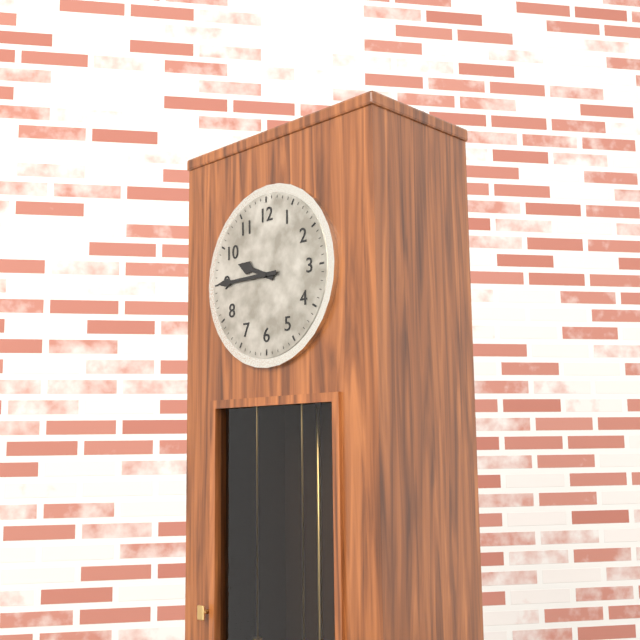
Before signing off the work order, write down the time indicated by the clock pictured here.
9:45
